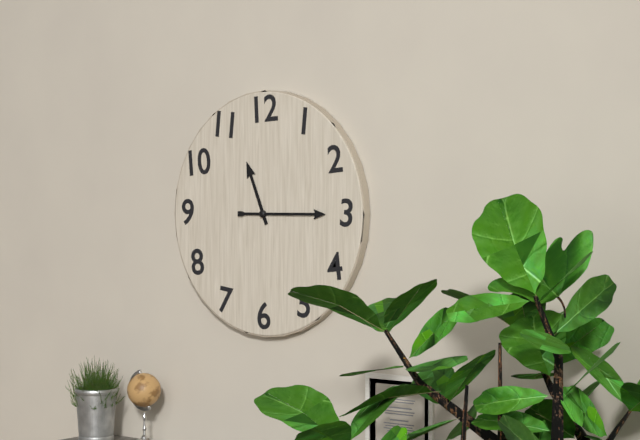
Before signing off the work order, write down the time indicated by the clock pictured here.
11:15
